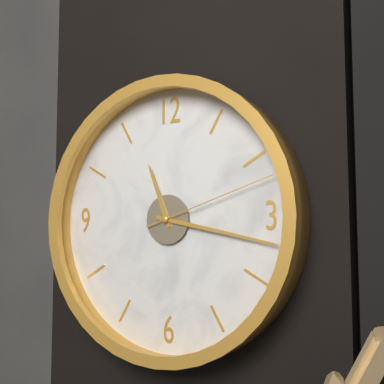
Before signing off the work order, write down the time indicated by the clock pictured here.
11:17:12
